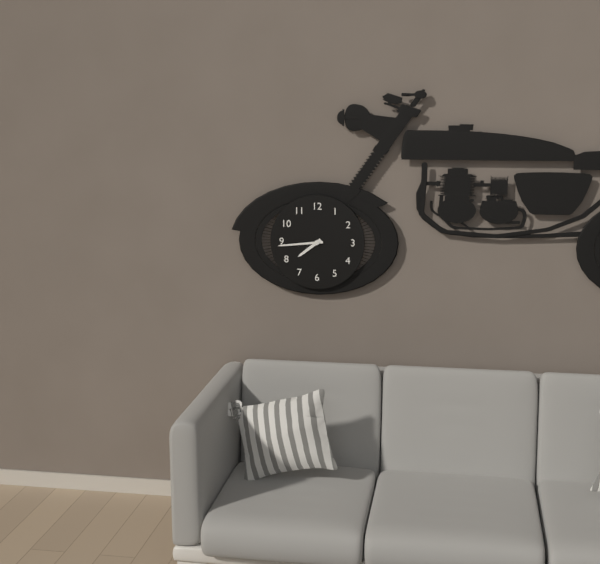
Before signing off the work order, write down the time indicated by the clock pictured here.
7:44
